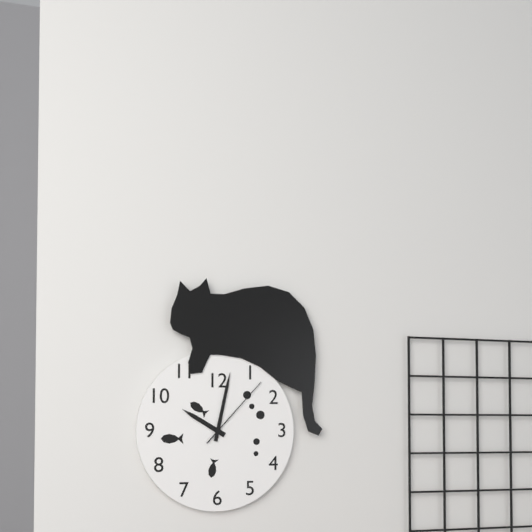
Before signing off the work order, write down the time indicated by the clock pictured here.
10:02:07
